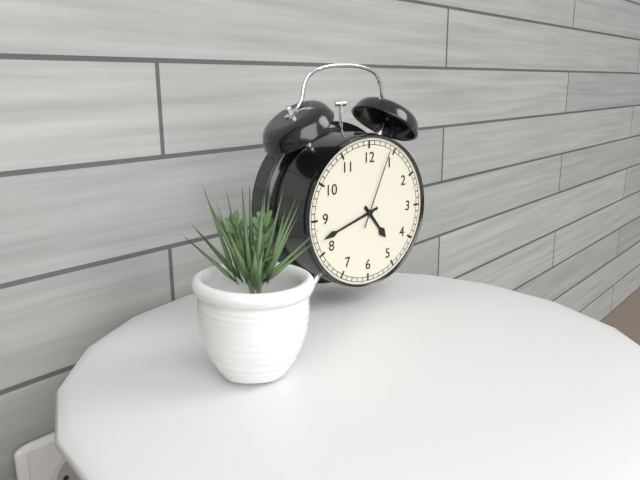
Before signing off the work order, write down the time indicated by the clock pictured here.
4:42:04
